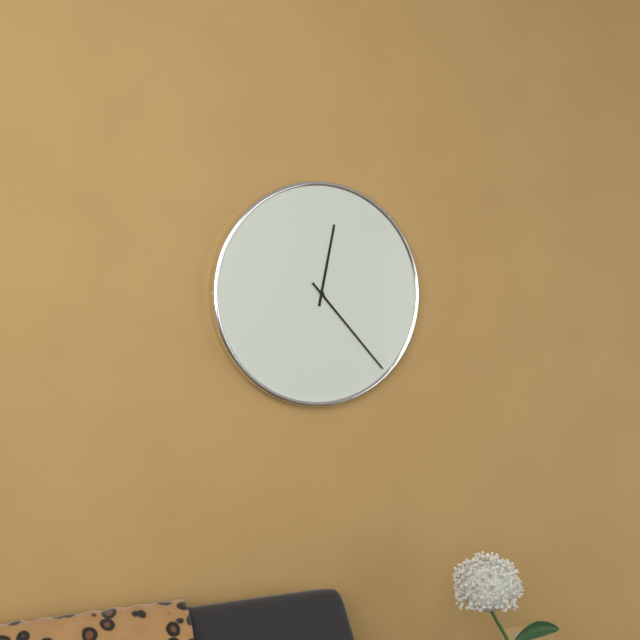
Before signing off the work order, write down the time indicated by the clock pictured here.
12:23
